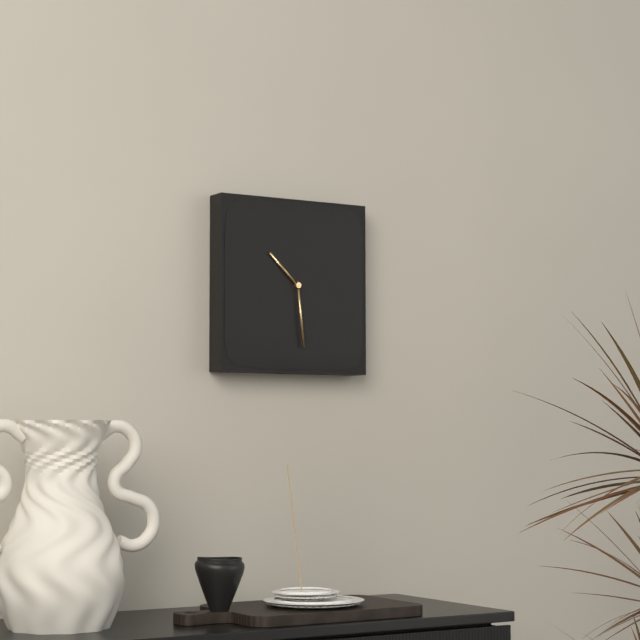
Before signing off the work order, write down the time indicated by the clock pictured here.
10:29
